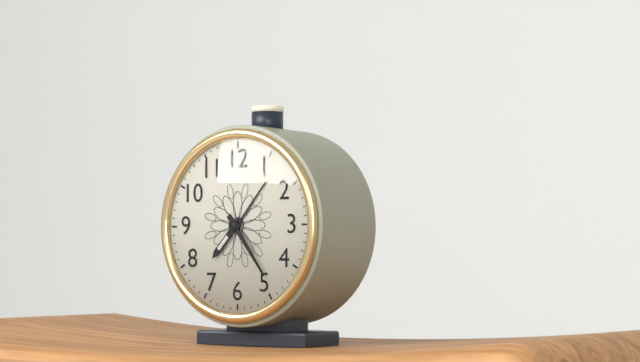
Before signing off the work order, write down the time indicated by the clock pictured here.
7:24
